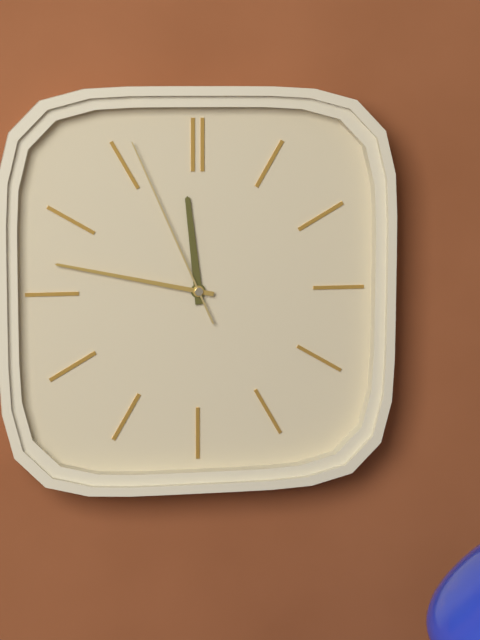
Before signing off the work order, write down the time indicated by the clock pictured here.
11:47:56
